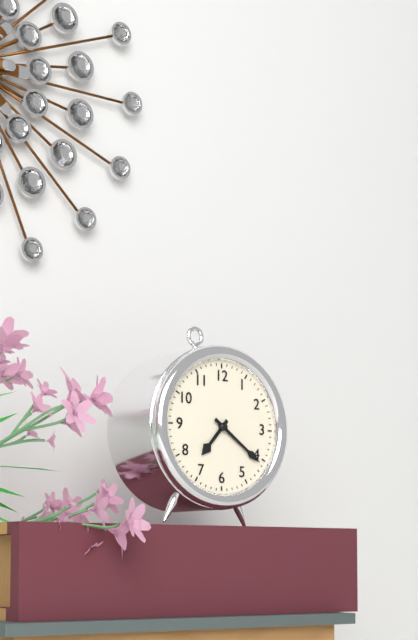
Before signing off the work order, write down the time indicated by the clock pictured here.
7:21
